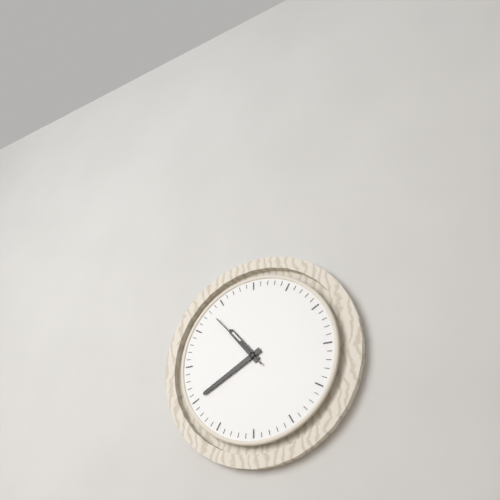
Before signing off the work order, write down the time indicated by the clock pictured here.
10:40:53
